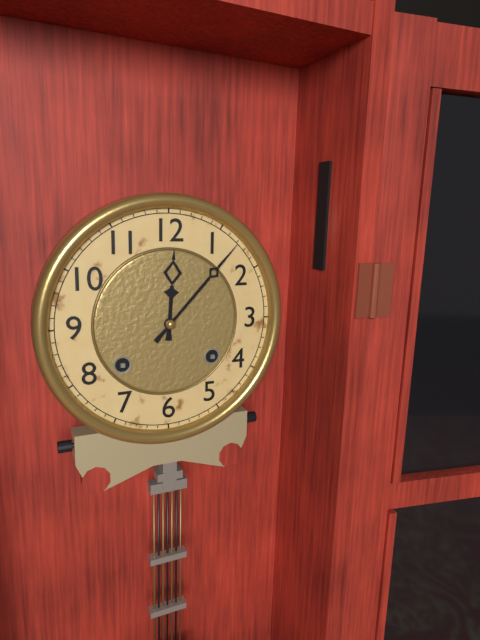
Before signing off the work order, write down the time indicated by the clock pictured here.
12:07
